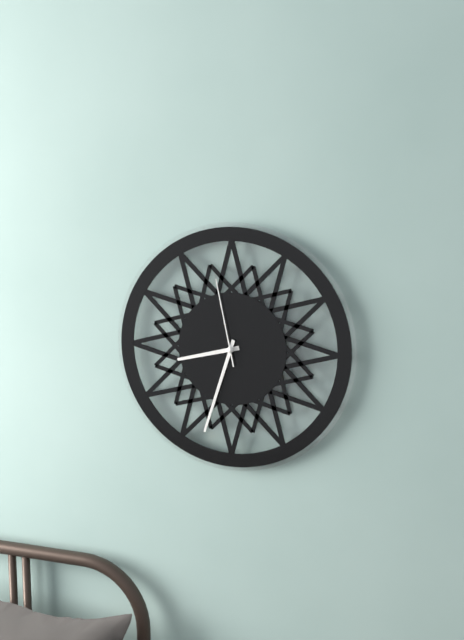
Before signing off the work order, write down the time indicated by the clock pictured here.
8:33:58
